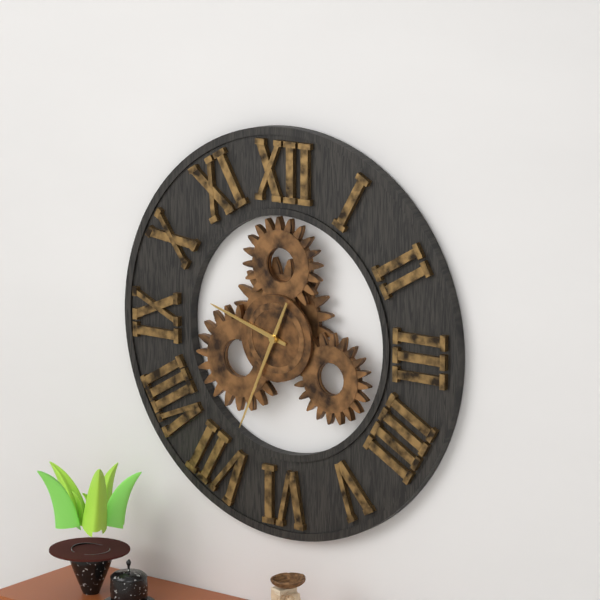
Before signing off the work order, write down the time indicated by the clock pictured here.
9:34
